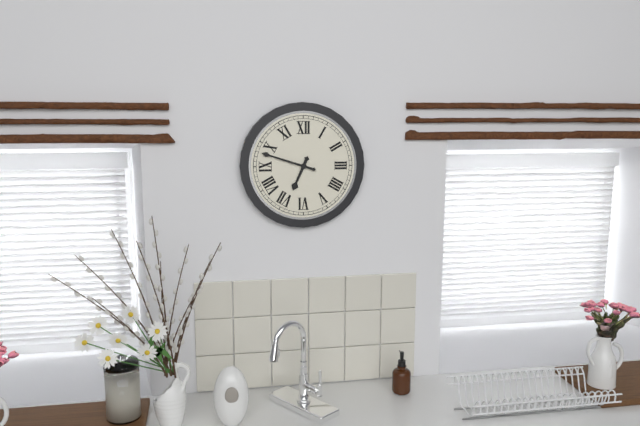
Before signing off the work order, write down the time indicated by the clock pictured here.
6:48
